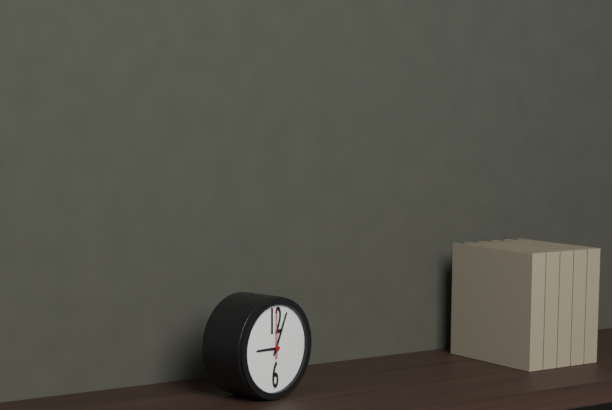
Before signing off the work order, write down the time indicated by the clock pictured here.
9:04
